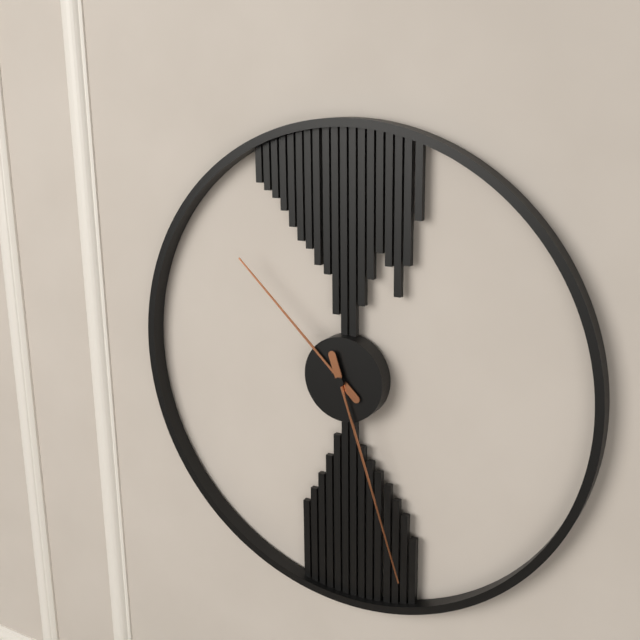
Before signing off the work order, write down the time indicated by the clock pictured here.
10:27
